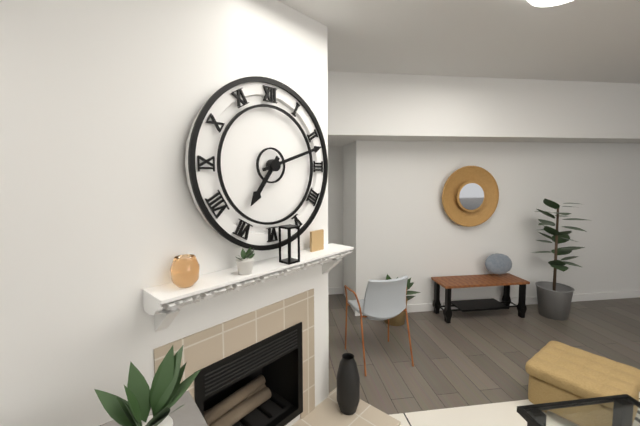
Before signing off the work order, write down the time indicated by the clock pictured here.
7:12
